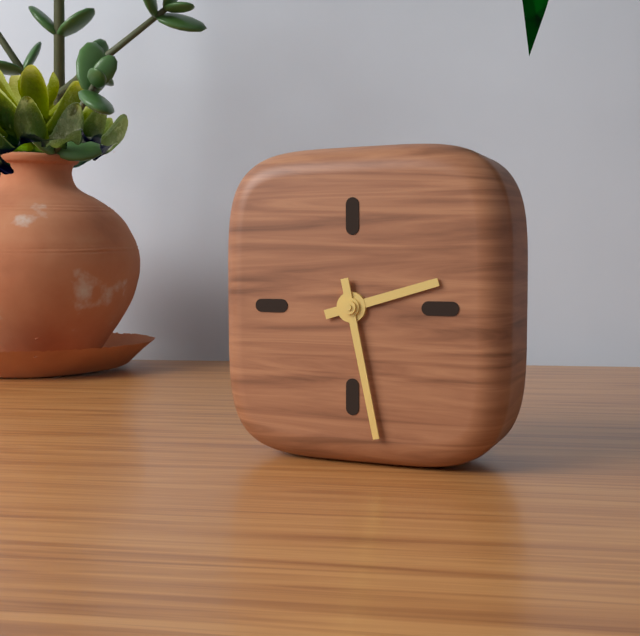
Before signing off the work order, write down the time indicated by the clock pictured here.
2:28
